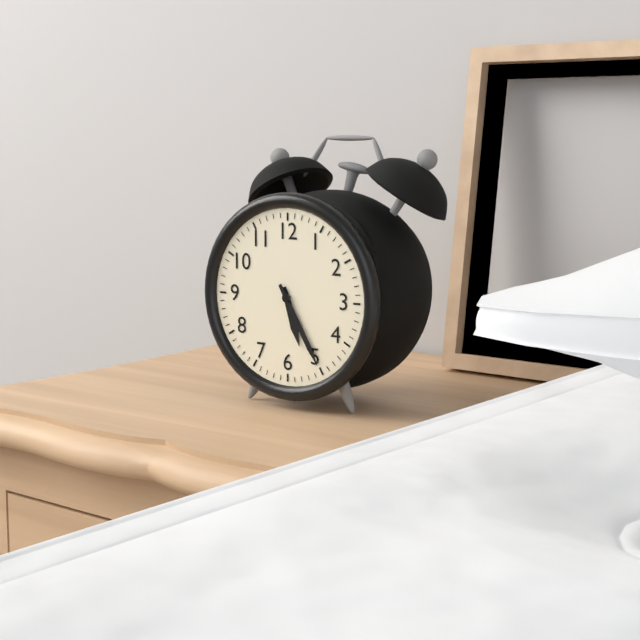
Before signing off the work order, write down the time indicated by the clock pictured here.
5:25
